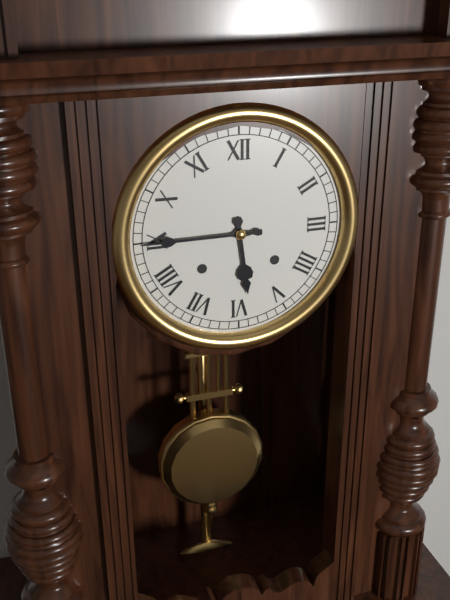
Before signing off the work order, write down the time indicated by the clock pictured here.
5:45
